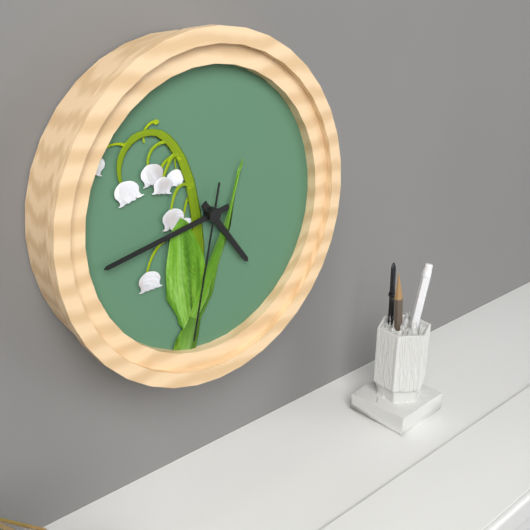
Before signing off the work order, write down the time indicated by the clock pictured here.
4:43:32
